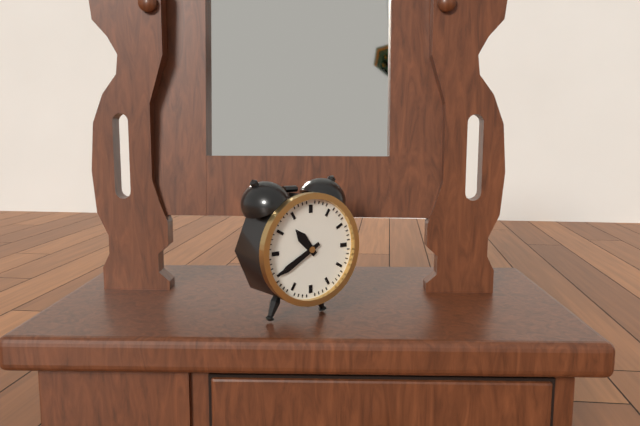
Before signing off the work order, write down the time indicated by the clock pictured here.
10:40
